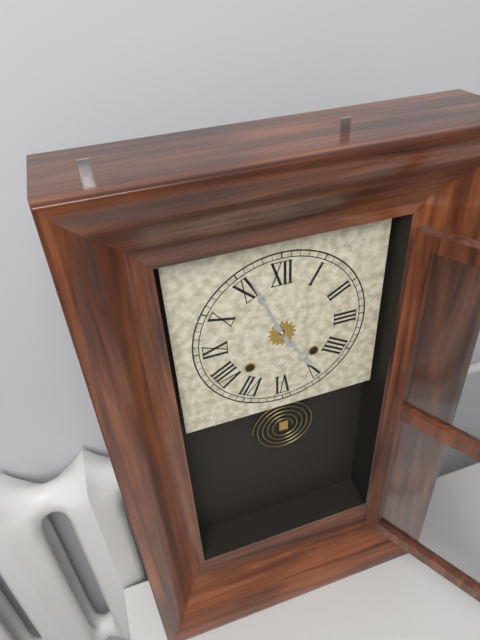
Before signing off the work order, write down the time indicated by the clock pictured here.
4:56
